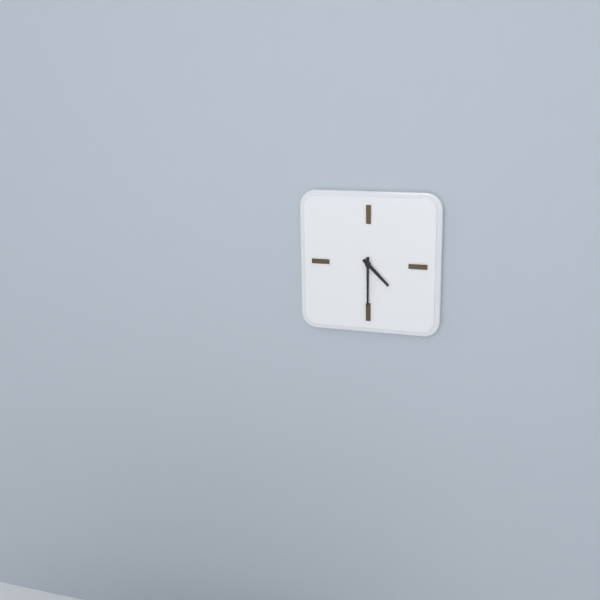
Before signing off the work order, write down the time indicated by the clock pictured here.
4:30
